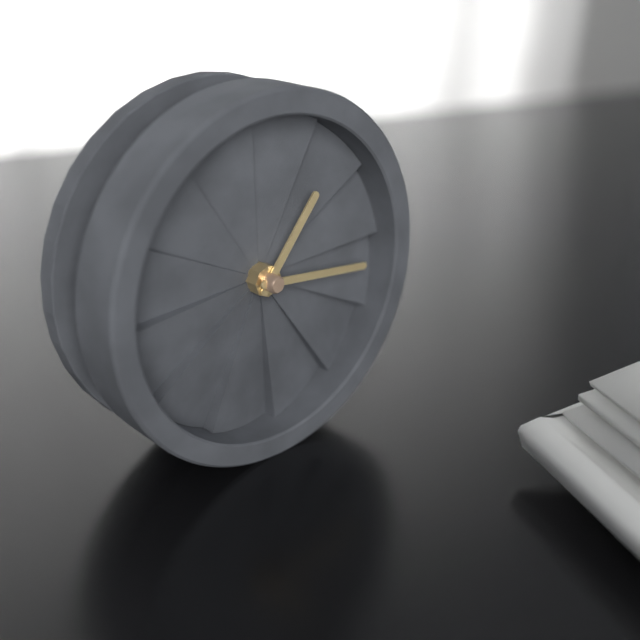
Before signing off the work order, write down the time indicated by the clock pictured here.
1:16
